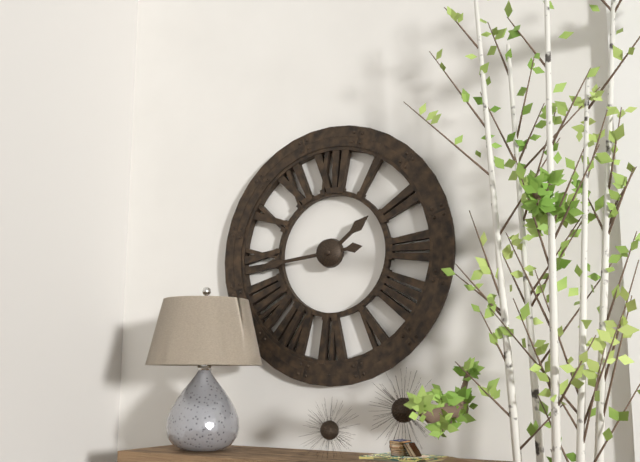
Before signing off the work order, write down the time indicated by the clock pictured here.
1:44
